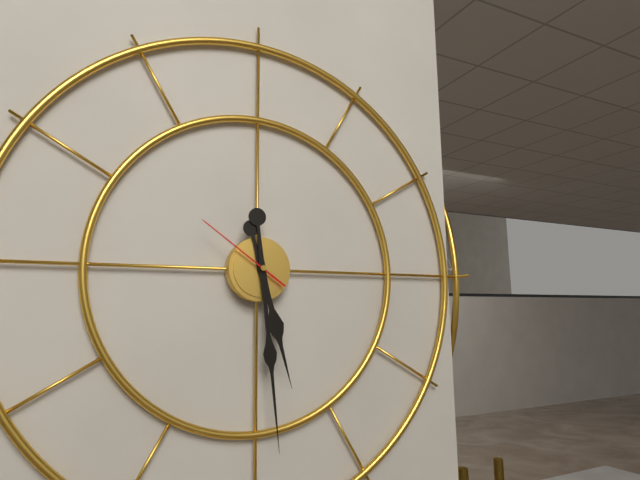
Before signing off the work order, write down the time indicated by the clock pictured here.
5:29:51
